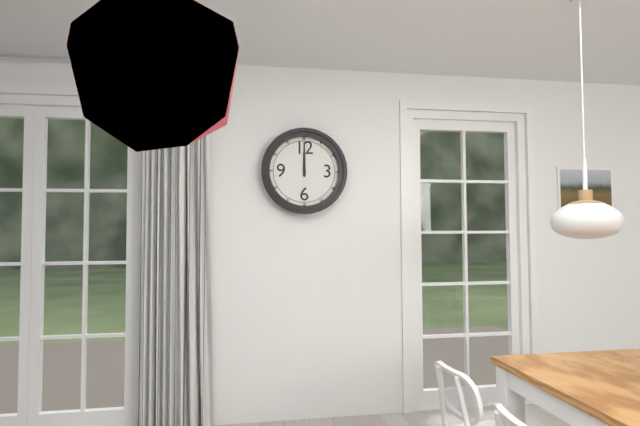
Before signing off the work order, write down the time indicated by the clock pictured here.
12:00
